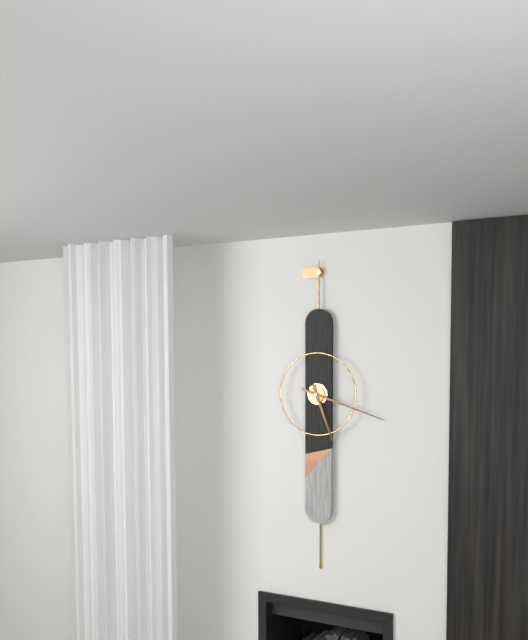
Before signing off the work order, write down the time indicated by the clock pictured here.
5:18
